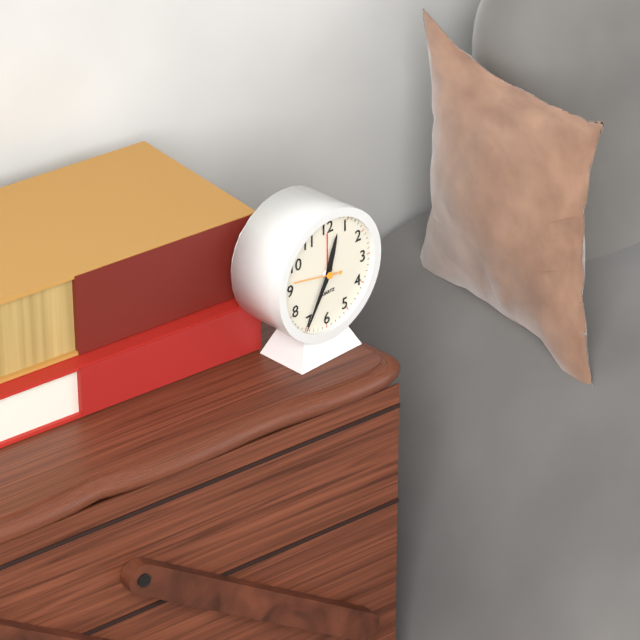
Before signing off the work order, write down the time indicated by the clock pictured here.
12:35
